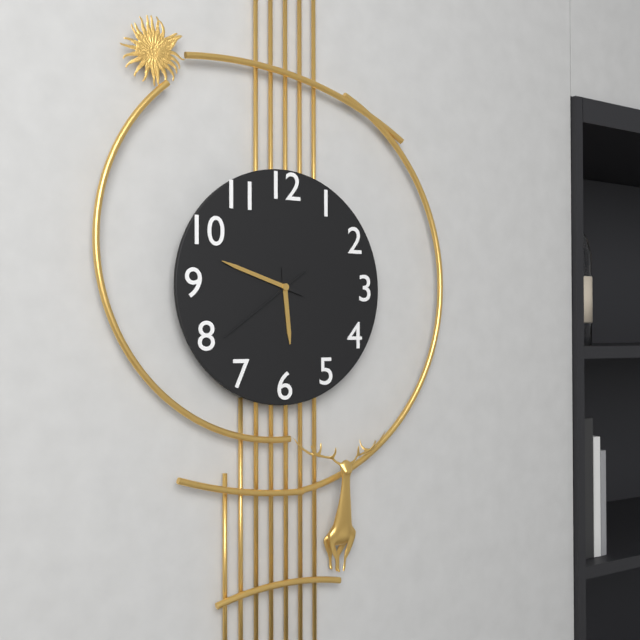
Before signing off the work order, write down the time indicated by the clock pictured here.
5:48:39
